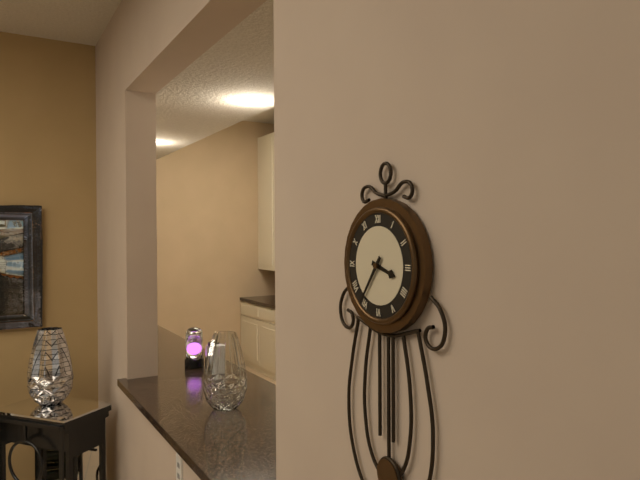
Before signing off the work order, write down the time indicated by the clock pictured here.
3:36
